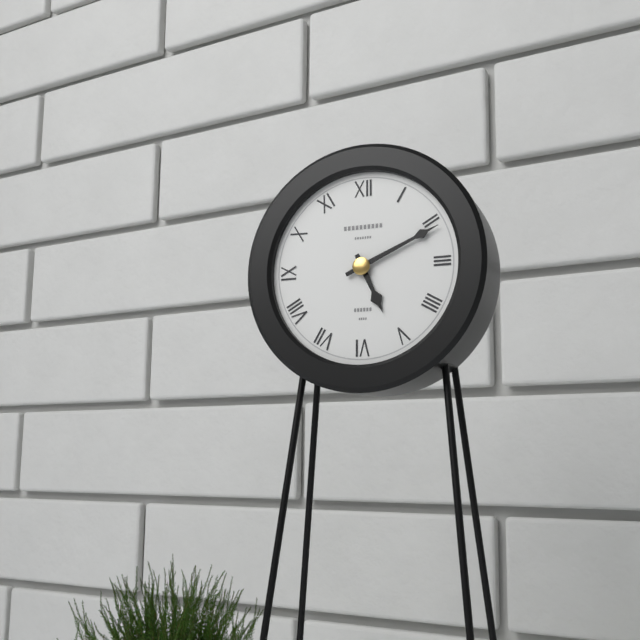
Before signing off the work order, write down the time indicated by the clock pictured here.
5:11
